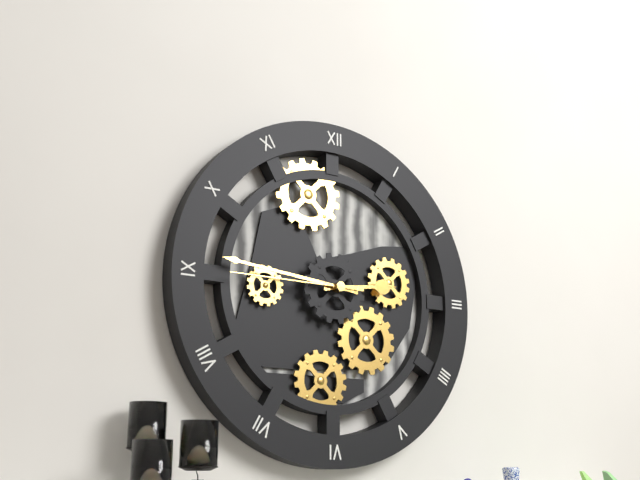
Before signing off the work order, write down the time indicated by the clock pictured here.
2:46:45
